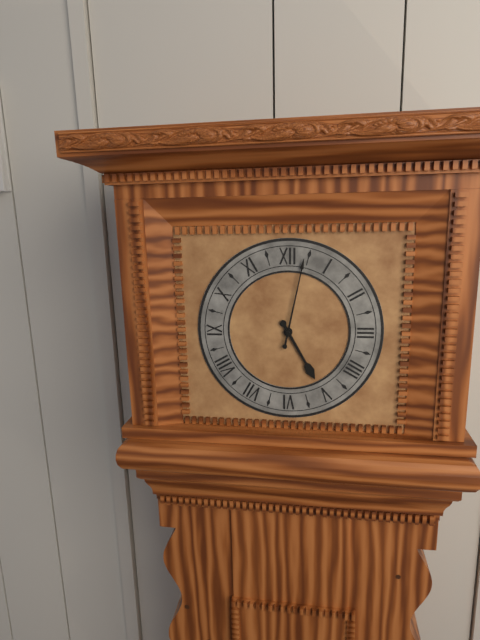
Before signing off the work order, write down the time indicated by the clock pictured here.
5:02
